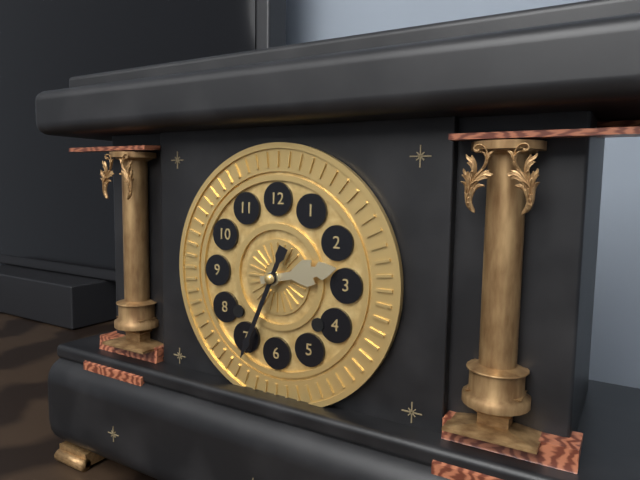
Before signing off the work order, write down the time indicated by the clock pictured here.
2:34
